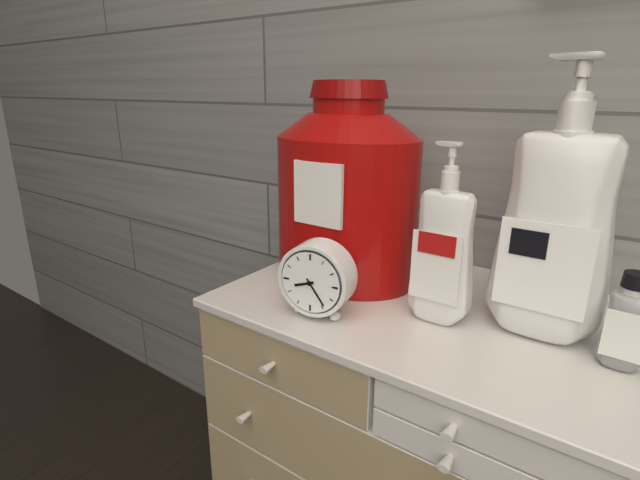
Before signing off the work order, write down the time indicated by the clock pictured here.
8:24
